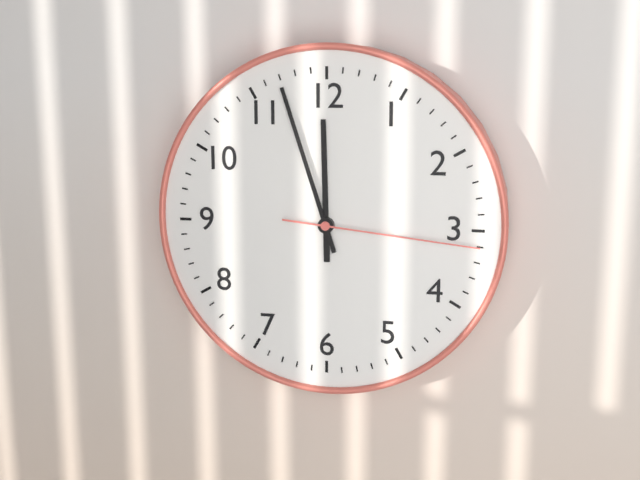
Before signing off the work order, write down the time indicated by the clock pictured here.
11:57:16
